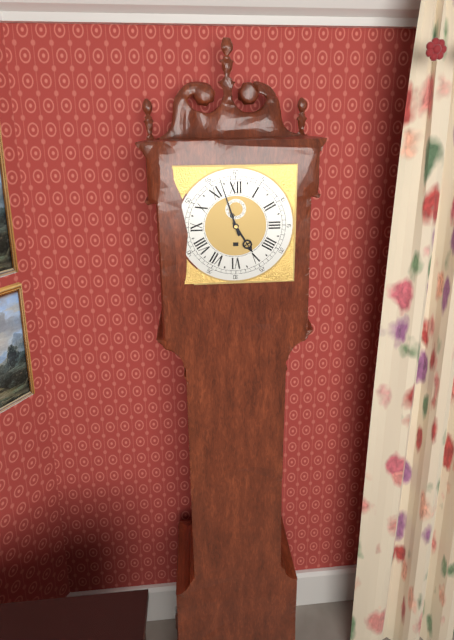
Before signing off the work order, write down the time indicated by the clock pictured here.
4:57
